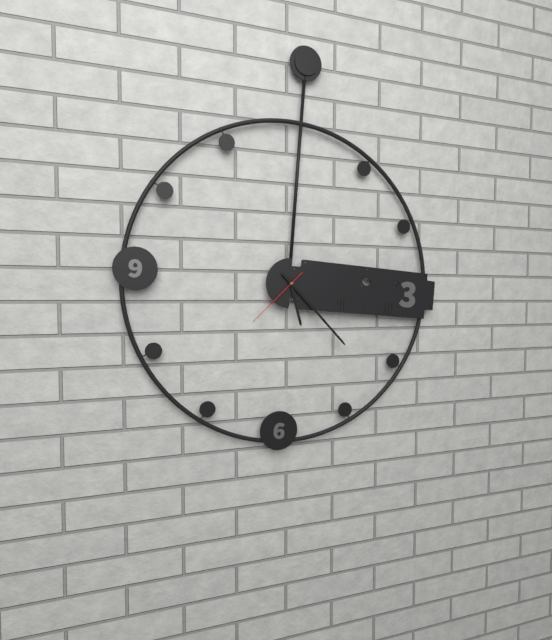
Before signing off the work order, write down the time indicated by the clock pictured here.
5:22:37
